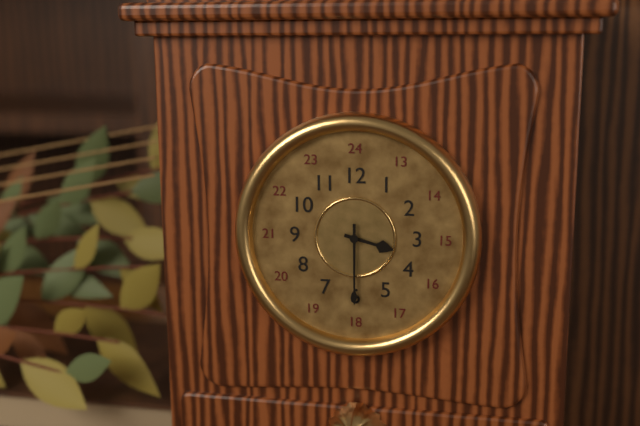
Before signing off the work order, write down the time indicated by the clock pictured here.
3:30
